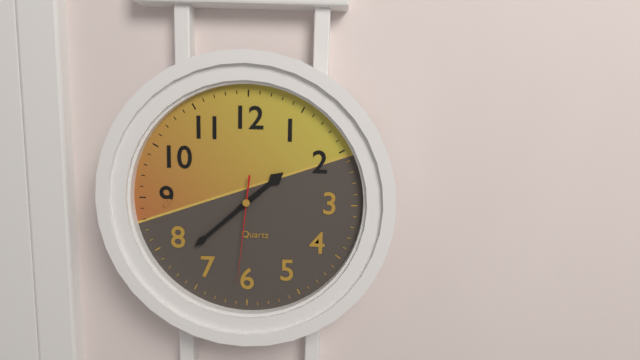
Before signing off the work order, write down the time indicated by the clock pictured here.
1:38:31
